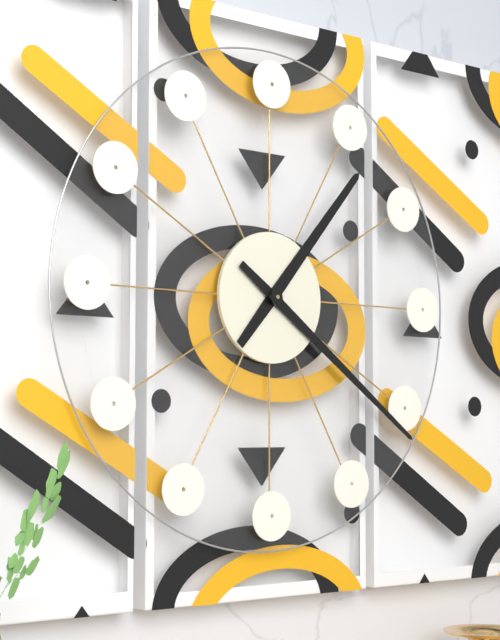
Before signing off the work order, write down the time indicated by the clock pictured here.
1:21
